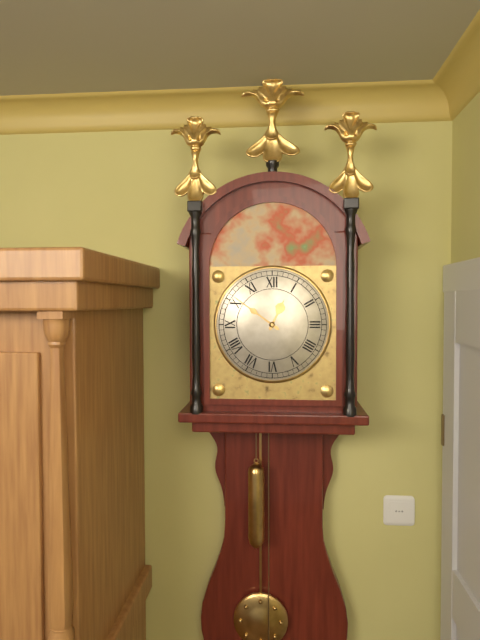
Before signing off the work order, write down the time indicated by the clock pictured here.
12:51
